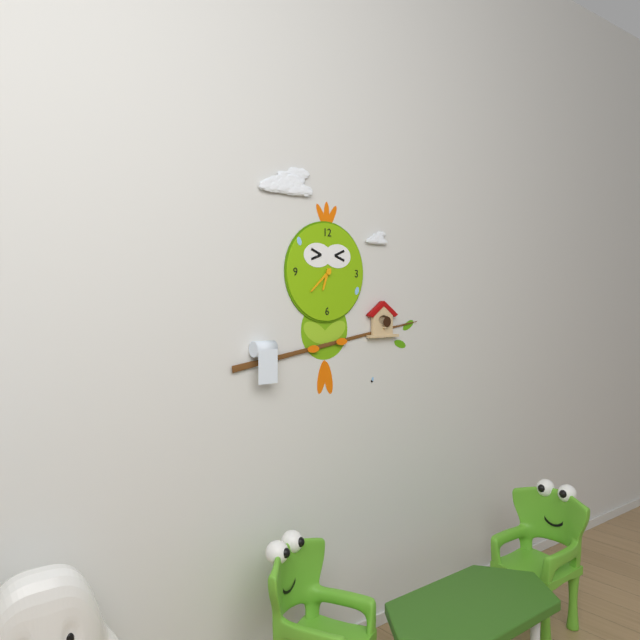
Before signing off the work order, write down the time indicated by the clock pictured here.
6:38
